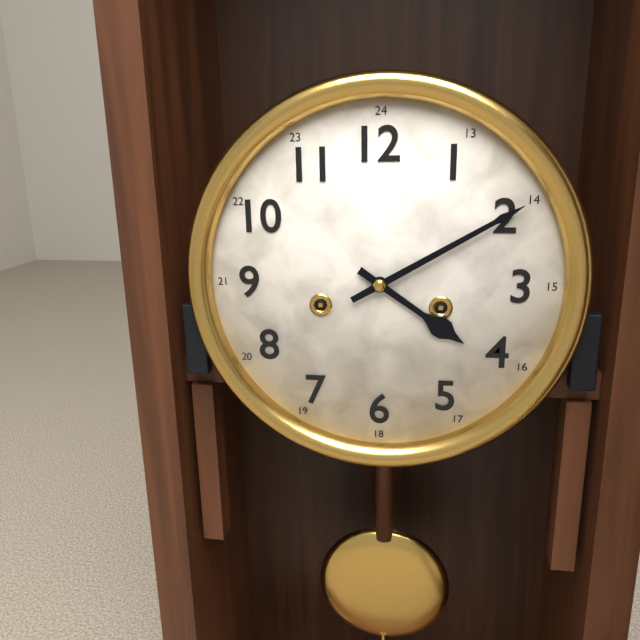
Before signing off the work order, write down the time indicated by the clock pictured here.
4:10
